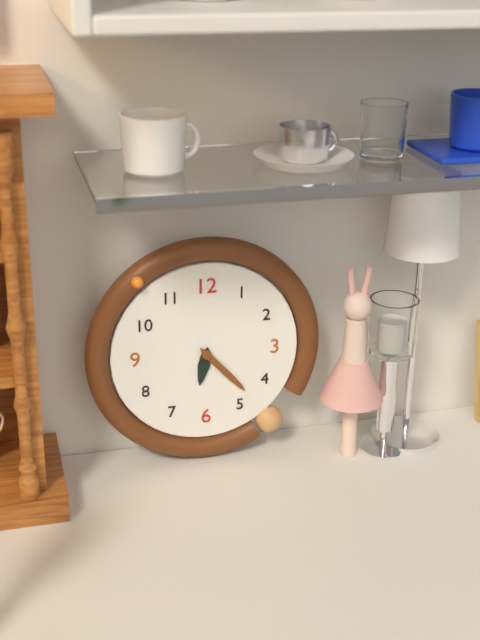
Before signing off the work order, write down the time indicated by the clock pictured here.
6:23
